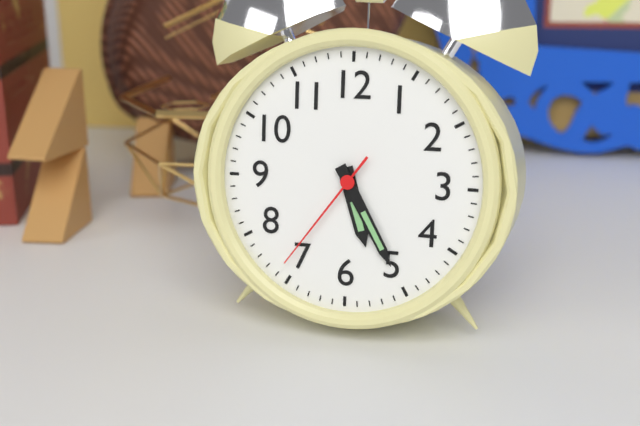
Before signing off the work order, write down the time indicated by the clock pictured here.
5:25:36
